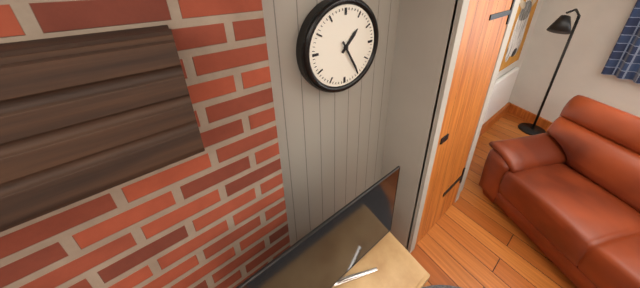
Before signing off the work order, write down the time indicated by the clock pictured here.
1:25
